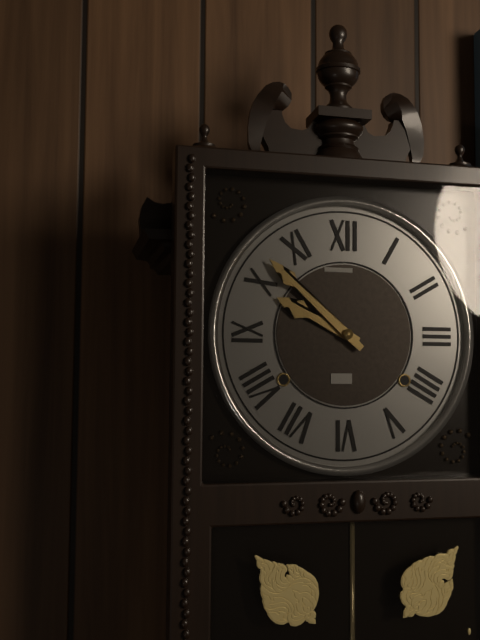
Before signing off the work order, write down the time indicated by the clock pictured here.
9:52
